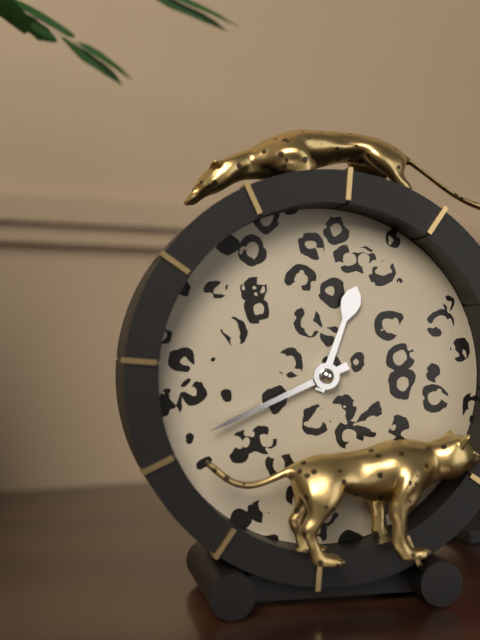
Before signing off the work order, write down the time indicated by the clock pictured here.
12:41
